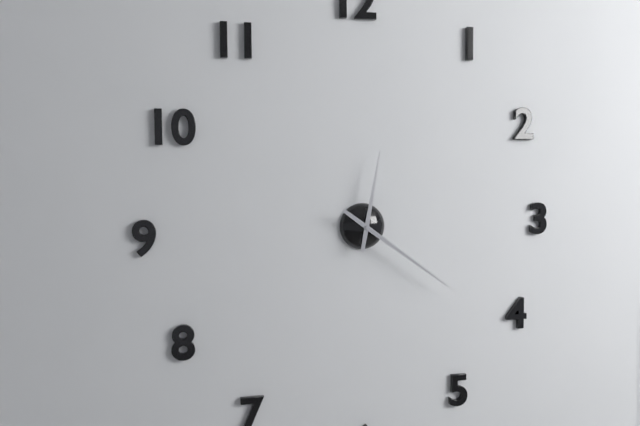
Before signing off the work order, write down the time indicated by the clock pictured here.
12:21
